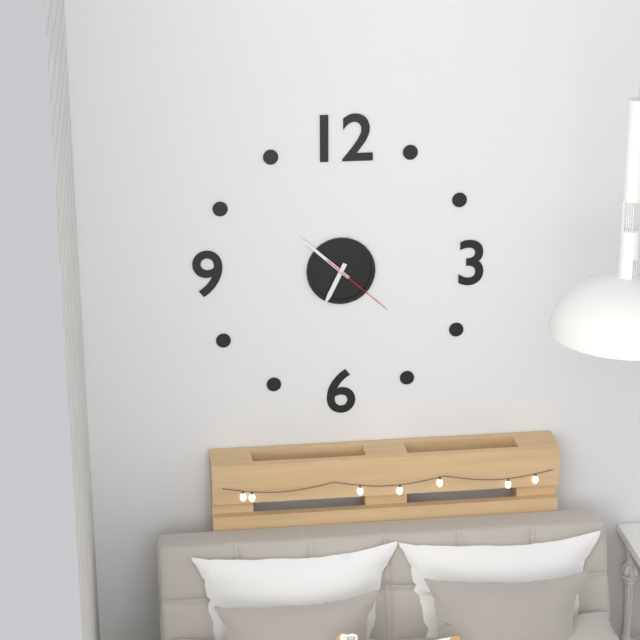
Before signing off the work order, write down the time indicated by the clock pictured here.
6:52:22
